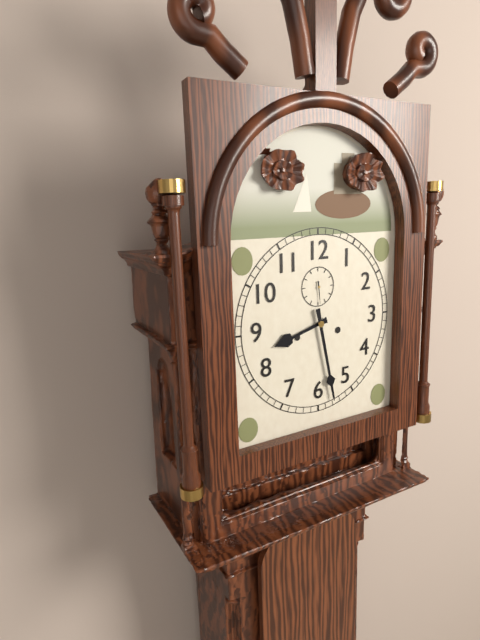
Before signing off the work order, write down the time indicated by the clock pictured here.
8:28
